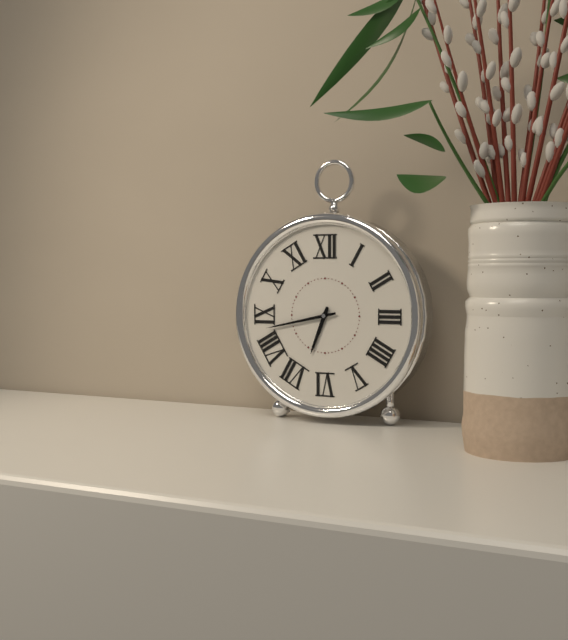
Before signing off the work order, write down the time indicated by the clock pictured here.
6:43
